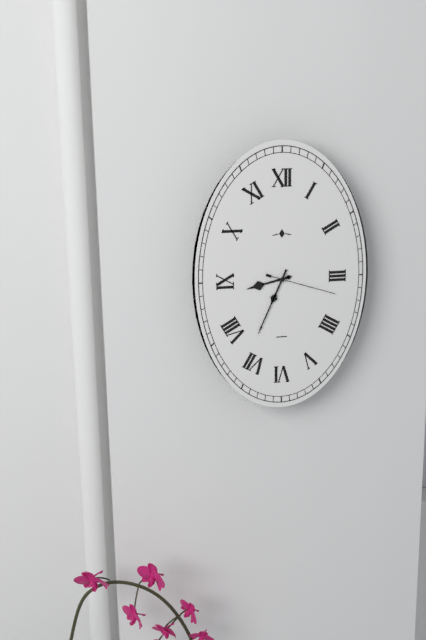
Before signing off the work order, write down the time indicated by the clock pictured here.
8:34:18
